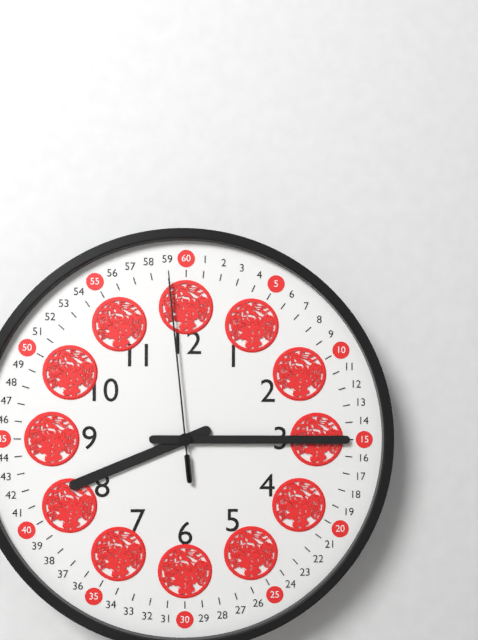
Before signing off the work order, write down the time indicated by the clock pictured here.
8:15:59
